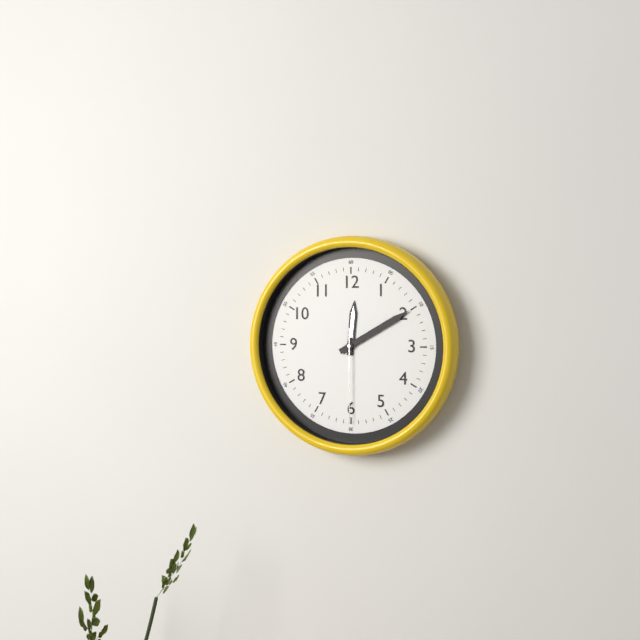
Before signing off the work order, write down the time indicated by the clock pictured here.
12:10:30
